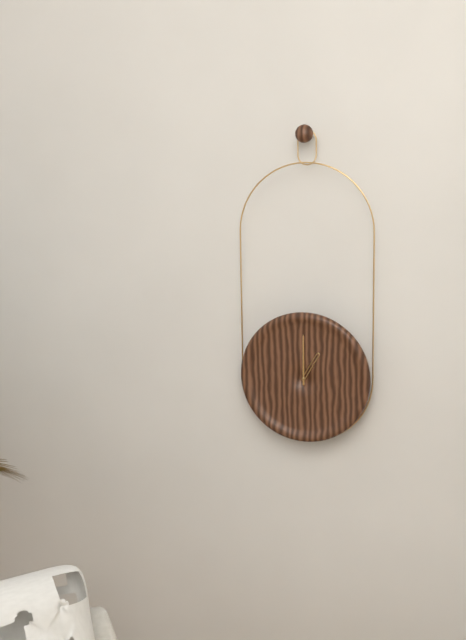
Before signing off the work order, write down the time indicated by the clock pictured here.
1:00
